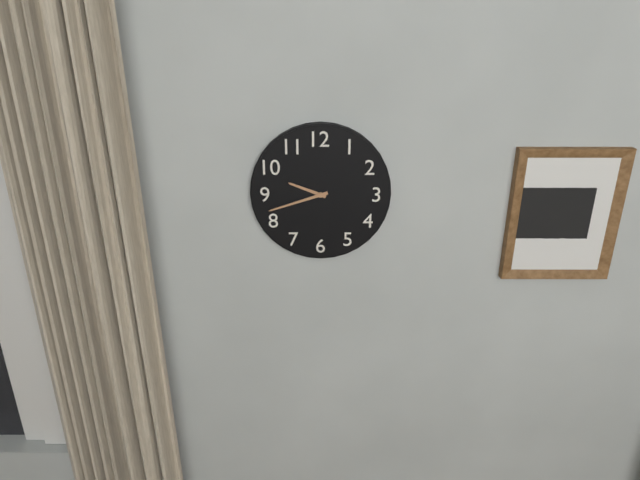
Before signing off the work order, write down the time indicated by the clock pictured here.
9:42
